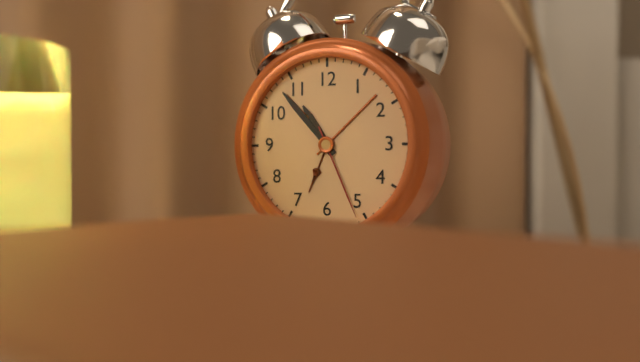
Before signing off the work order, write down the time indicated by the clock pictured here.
10:53:26
